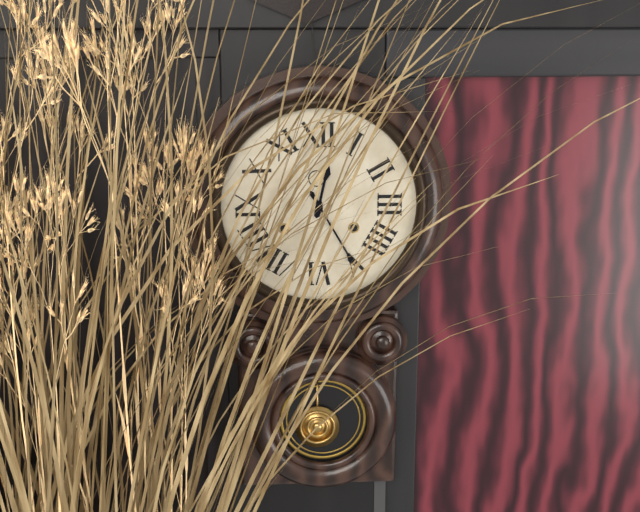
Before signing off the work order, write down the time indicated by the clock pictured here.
12:25
